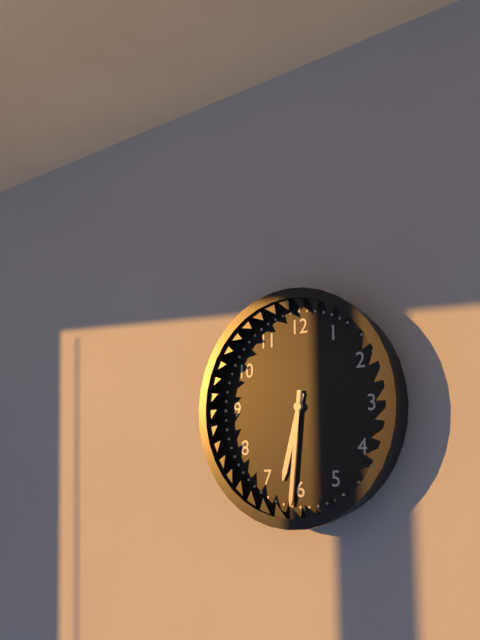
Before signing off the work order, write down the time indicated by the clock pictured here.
6:31
